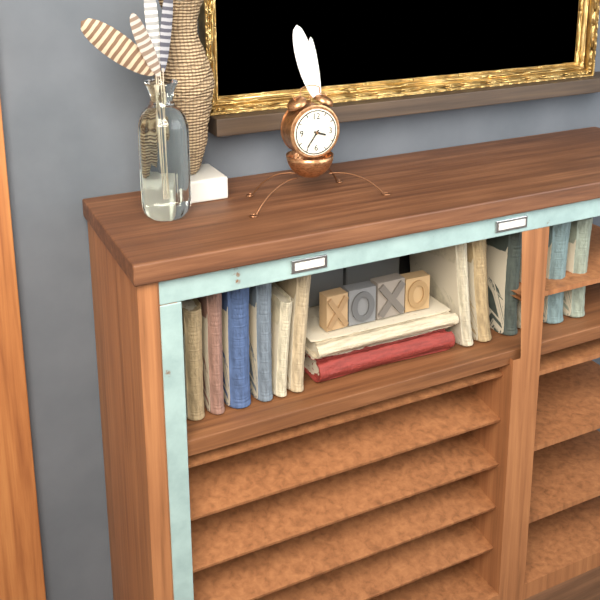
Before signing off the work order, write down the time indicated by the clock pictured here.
3:36
